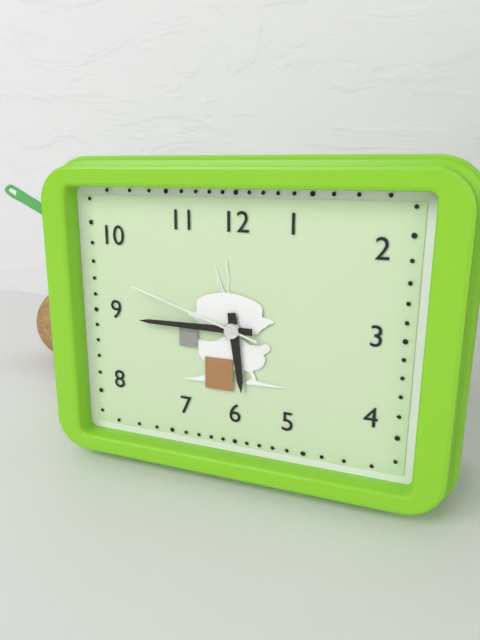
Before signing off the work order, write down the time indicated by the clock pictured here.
5:45:48
